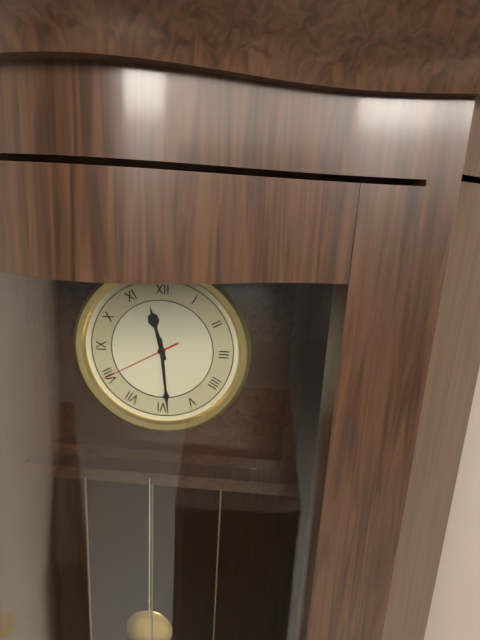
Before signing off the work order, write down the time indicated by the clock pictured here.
11:29:40
